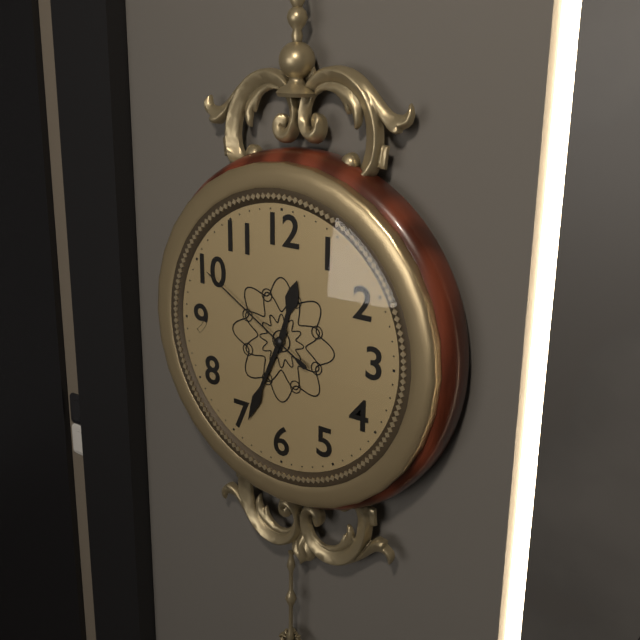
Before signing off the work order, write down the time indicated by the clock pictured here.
12:34:50
